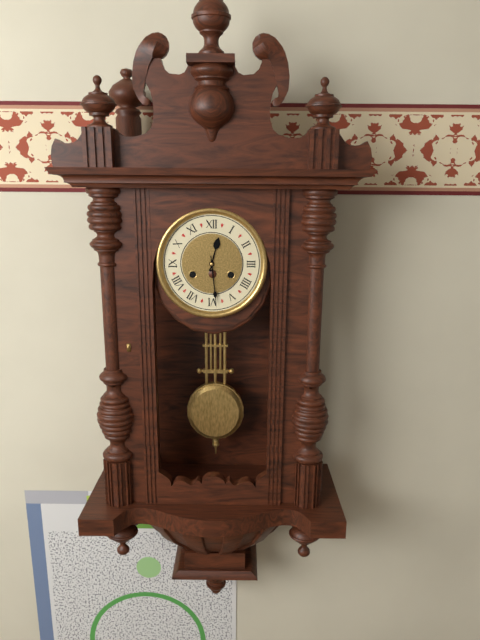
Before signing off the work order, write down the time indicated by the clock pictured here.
12:29
